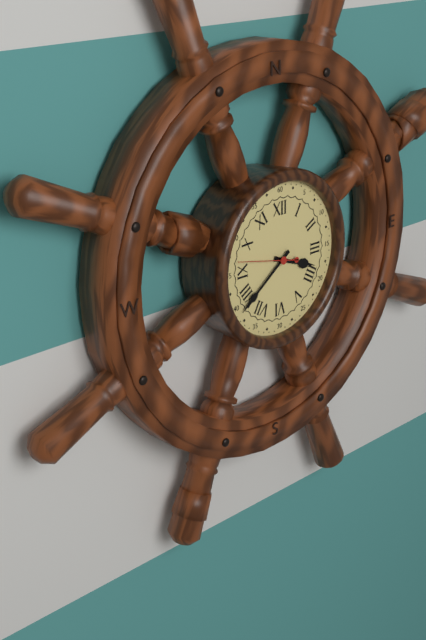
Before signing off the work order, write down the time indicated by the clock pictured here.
3:39:47
